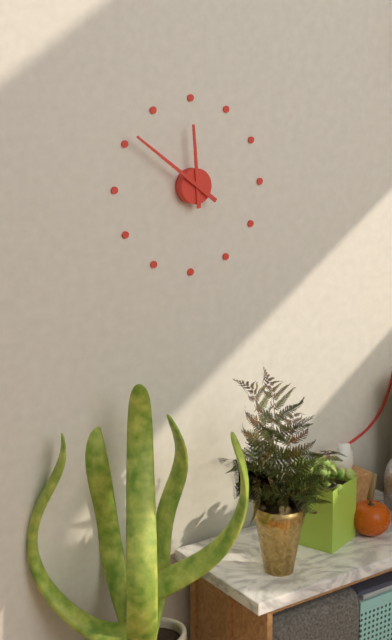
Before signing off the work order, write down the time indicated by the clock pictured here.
11:51
